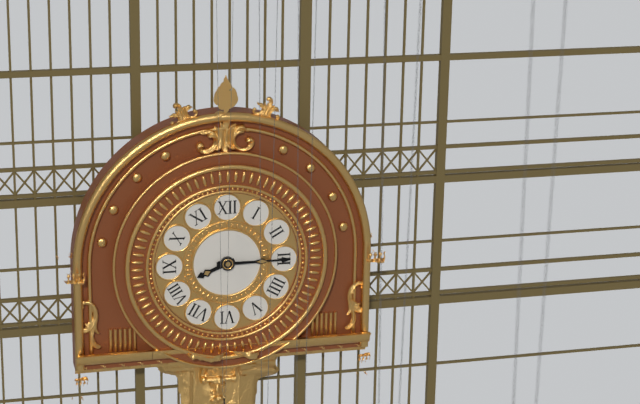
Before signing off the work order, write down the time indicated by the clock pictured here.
8:15
